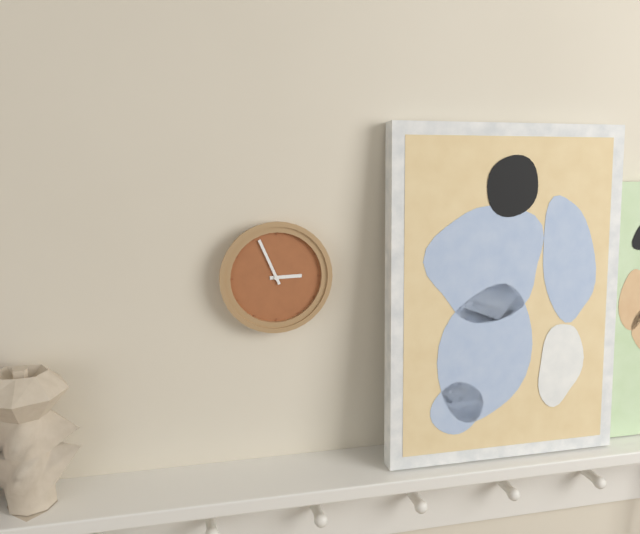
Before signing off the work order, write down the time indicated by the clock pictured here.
2:56
